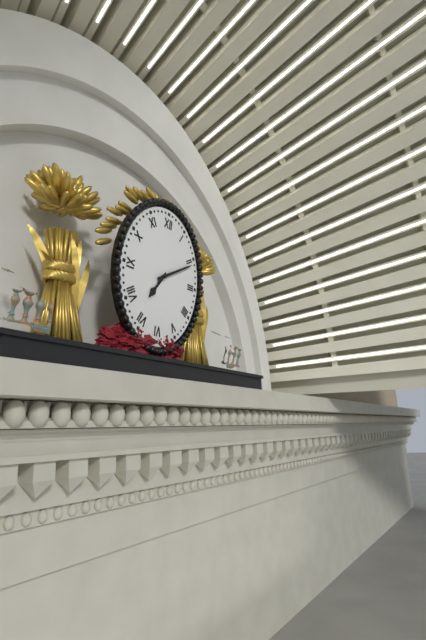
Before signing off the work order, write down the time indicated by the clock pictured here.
7:10
